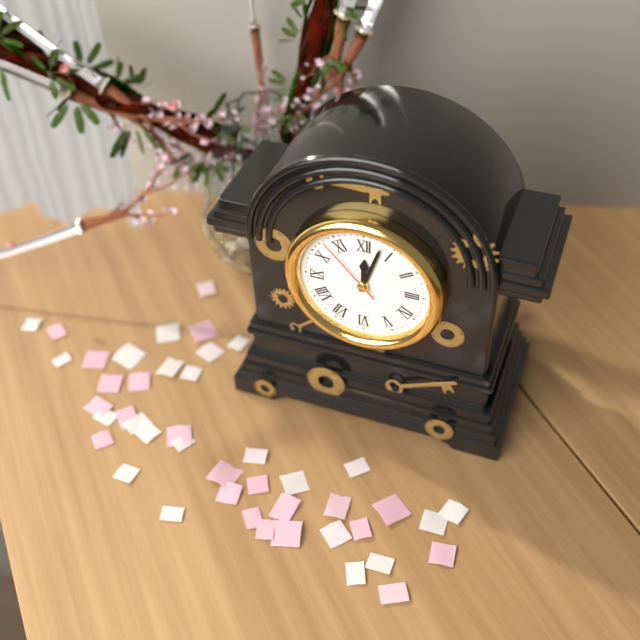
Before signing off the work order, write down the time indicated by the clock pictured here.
12:03:53
